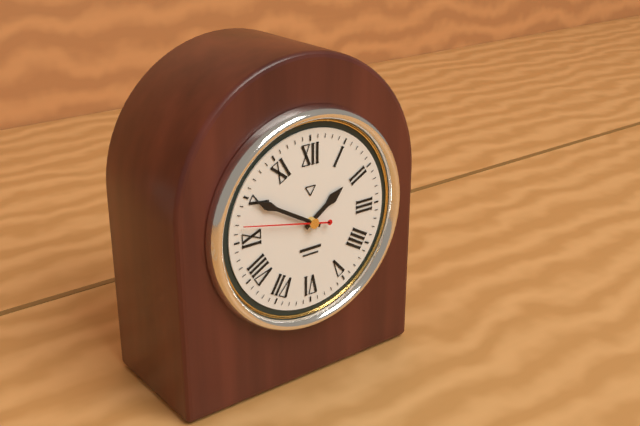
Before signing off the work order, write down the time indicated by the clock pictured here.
1:50:47
